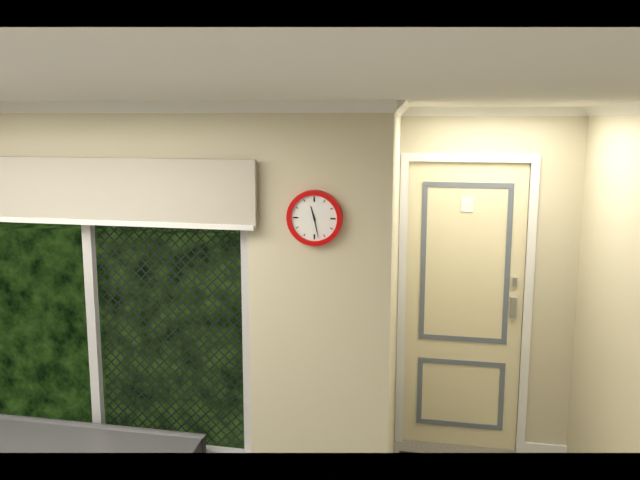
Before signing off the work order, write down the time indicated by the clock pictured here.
11:28
